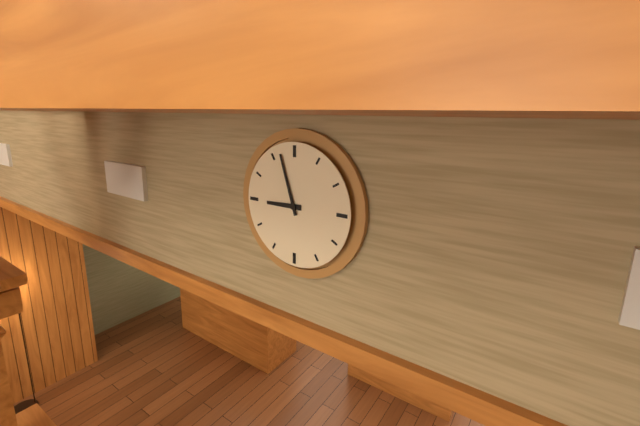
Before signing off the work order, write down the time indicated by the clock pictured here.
8:57
